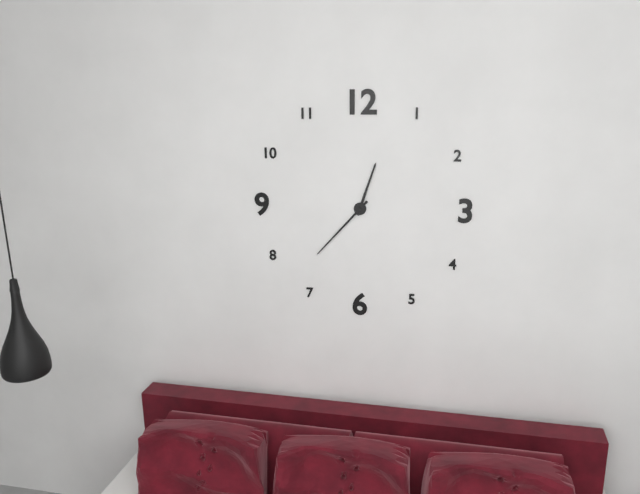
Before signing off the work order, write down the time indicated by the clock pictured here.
12:37
